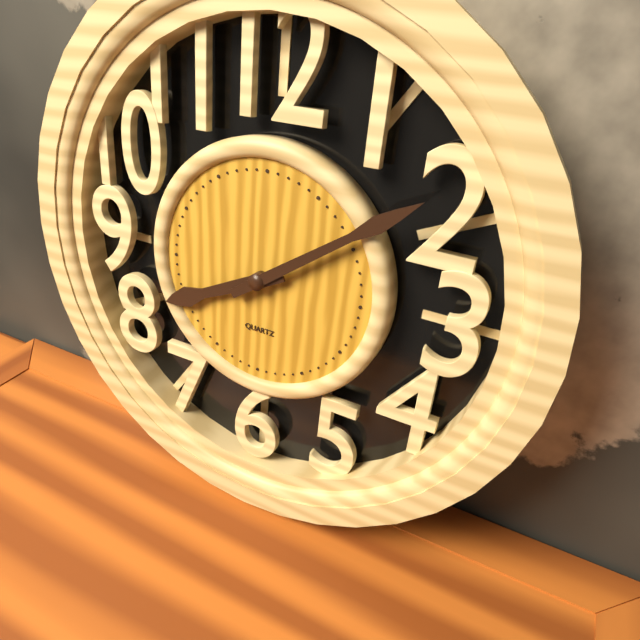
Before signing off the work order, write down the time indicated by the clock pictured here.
8:09
